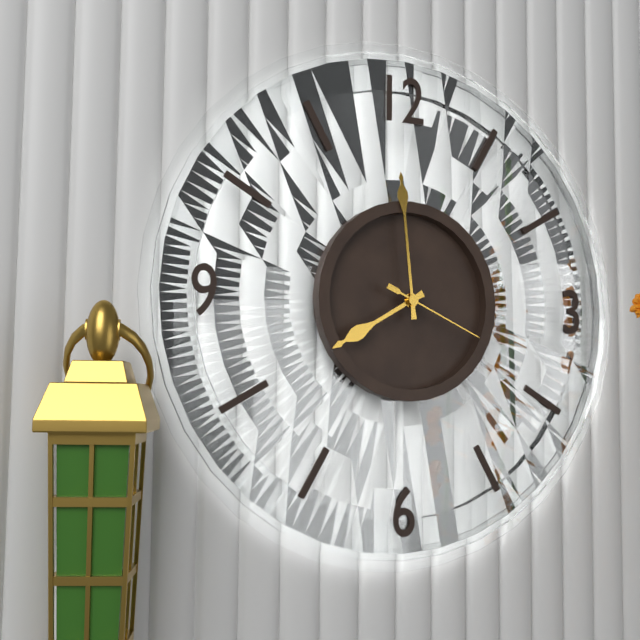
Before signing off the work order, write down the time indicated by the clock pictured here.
7:59:19
